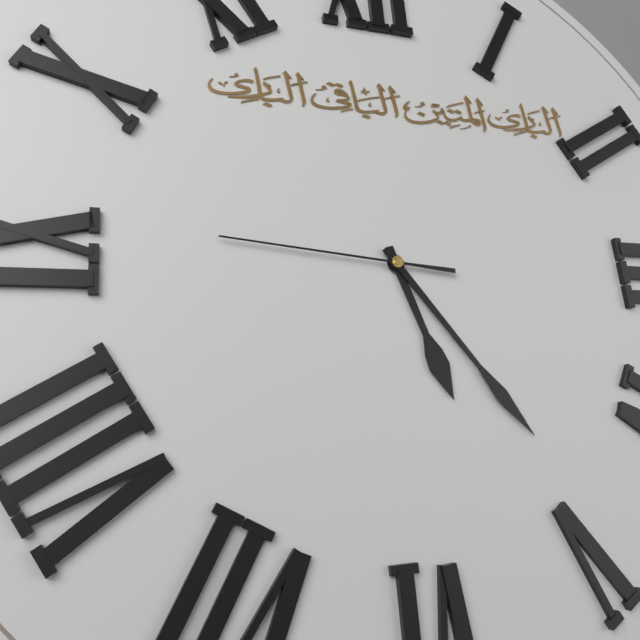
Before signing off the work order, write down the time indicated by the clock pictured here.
5:24:46
